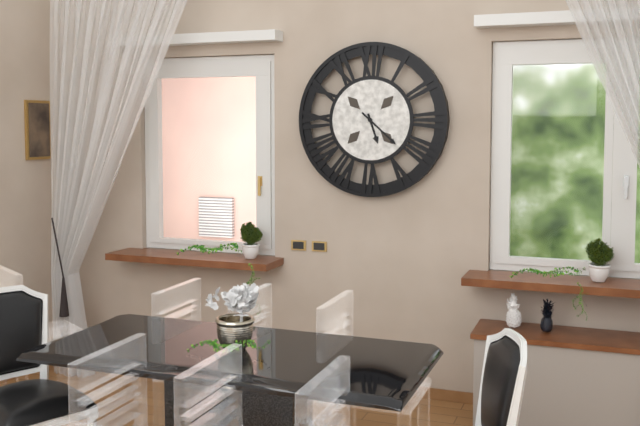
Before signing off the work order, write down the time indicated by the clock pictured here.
5:22
